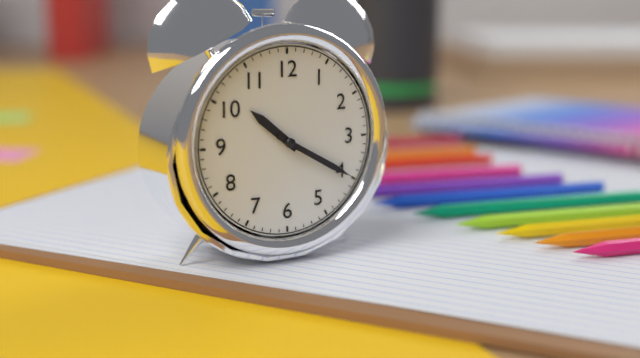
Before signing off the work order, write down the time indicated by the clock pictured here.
10:20
